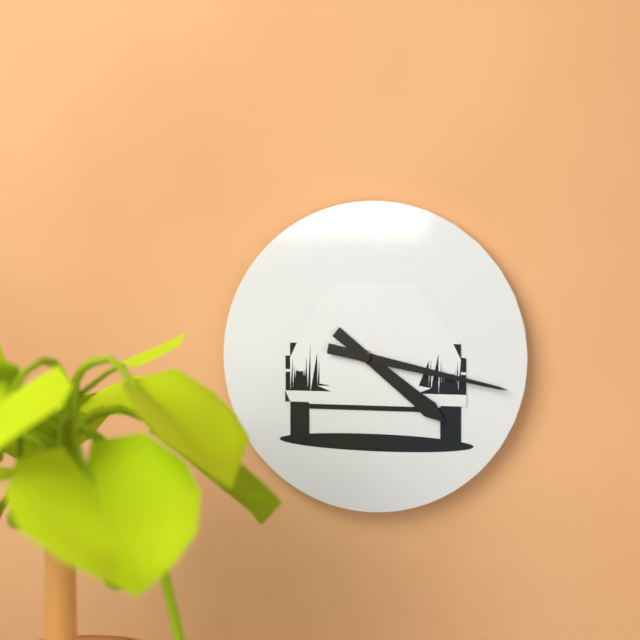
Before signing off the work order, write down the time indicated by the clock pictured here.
4:17
